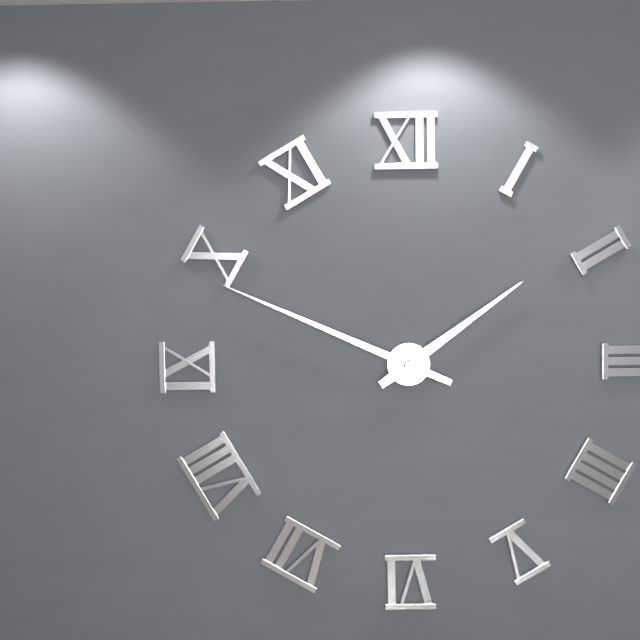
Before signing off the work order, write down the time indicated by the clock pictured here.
1:49
